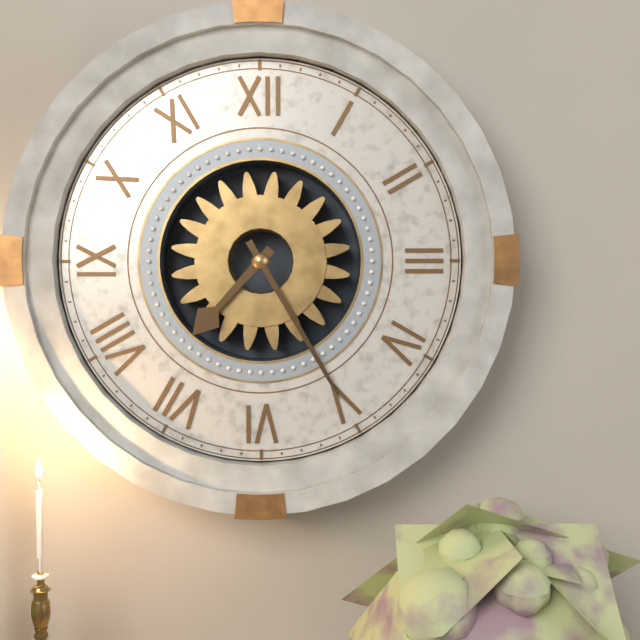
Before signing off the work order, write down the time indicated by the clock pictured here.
7:25
